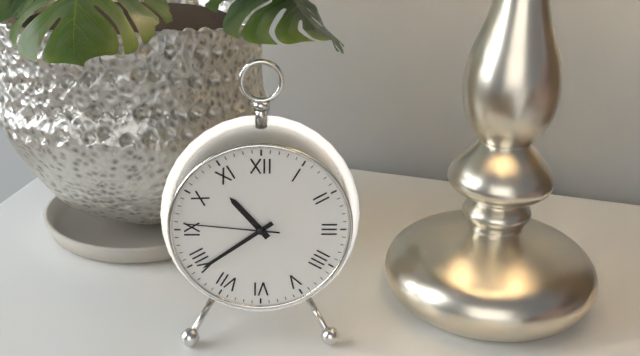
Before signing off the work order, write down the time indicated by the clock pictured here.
10:39:46
